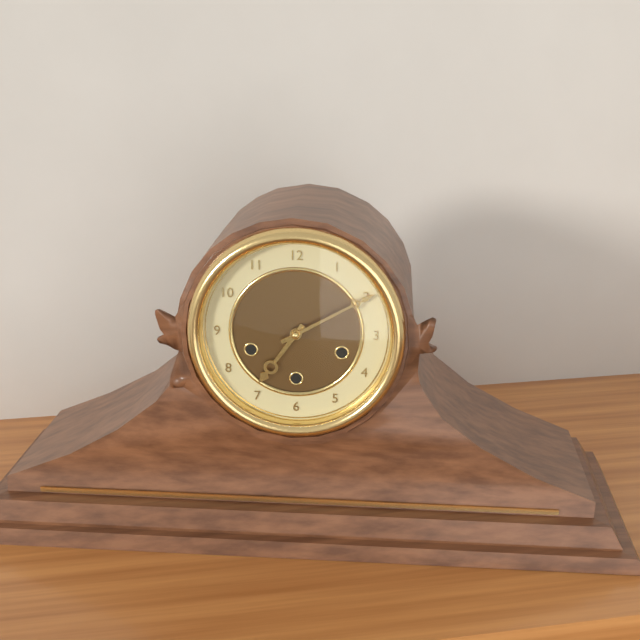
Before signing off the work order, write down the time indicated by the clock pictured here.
7:10
